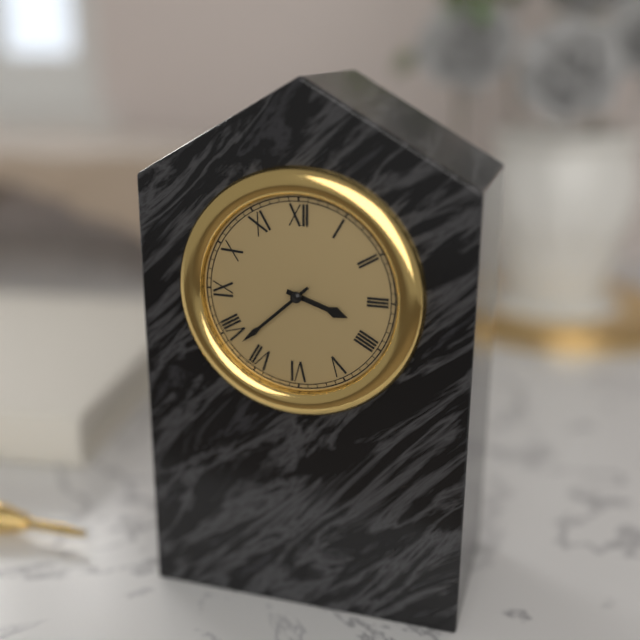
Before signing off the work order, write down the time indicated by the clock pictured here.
3:38
